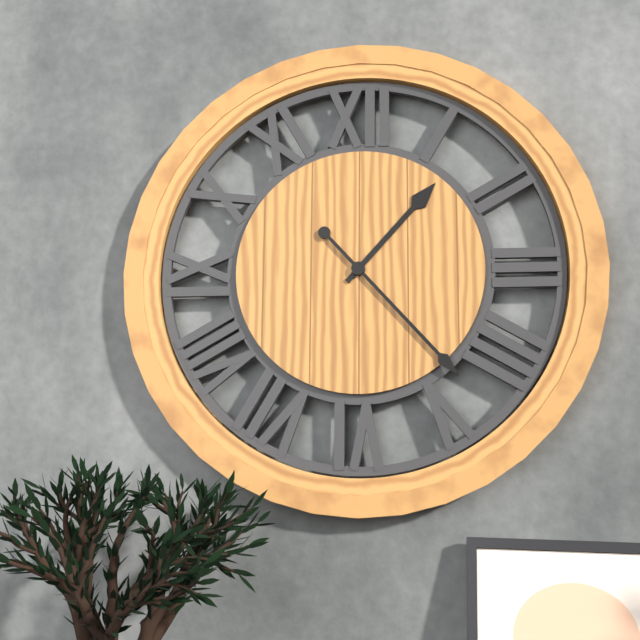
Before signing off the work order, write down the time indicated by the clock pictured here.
1:23
